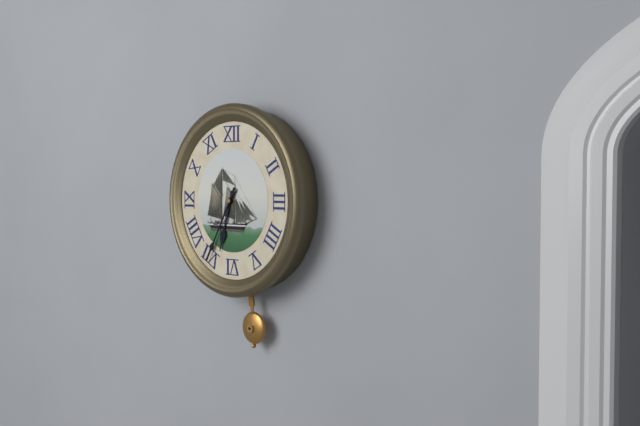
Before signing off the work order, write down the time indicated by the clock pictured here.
6:35
